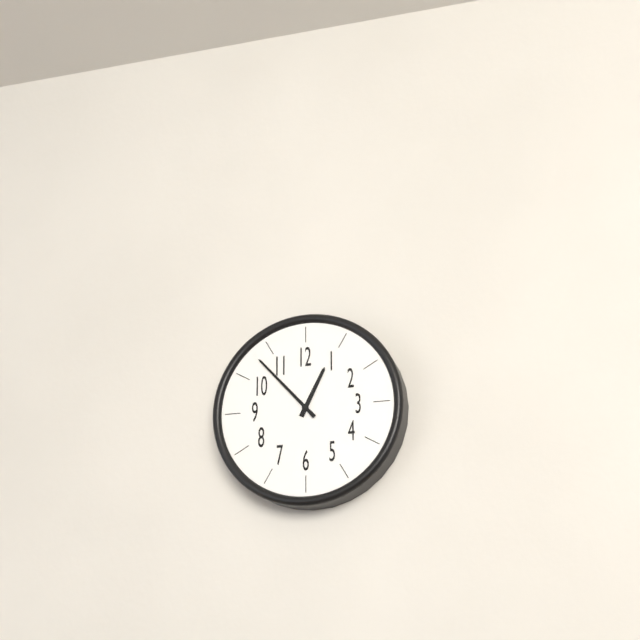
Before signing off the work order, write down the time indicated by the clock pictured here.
12:53
